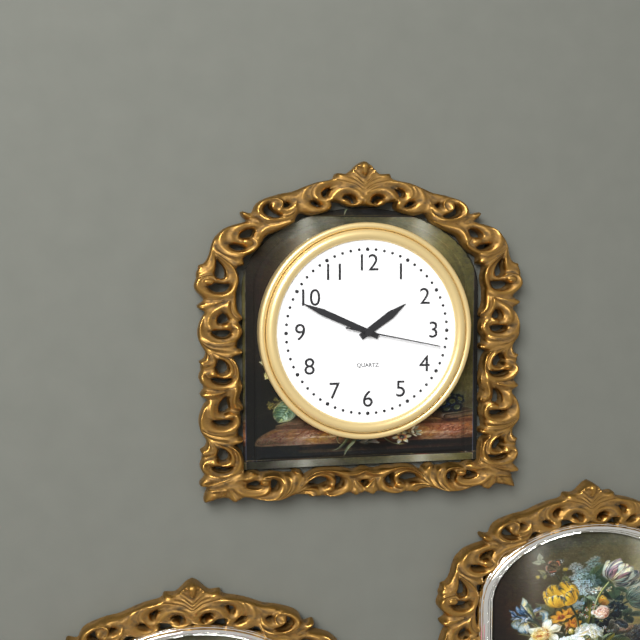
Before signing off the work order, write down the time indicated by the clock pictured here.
1:49:17
